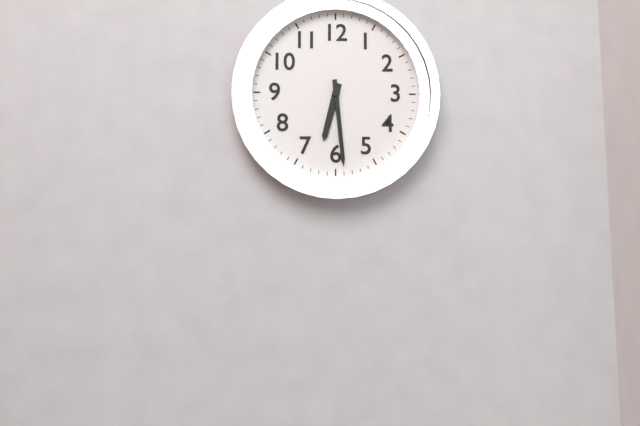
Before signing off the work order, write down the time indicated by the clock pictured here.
6:29
